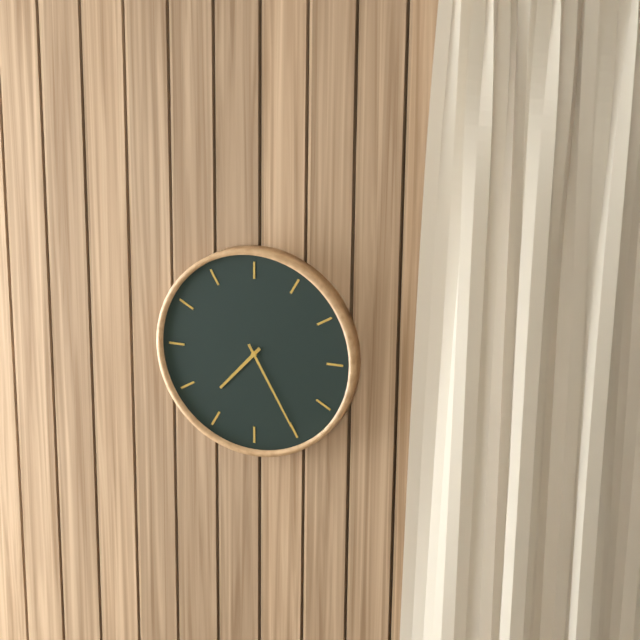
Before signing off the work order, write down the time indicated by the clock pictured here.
7:25
